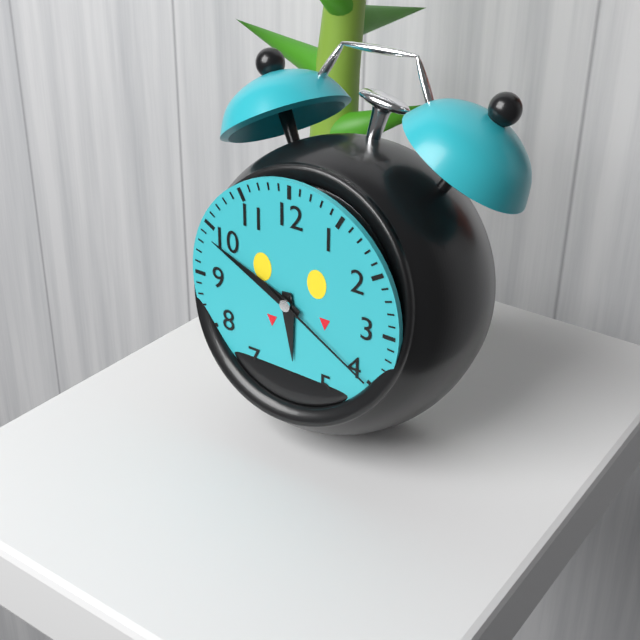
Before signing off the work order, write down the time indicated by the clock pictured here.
5:49:20
